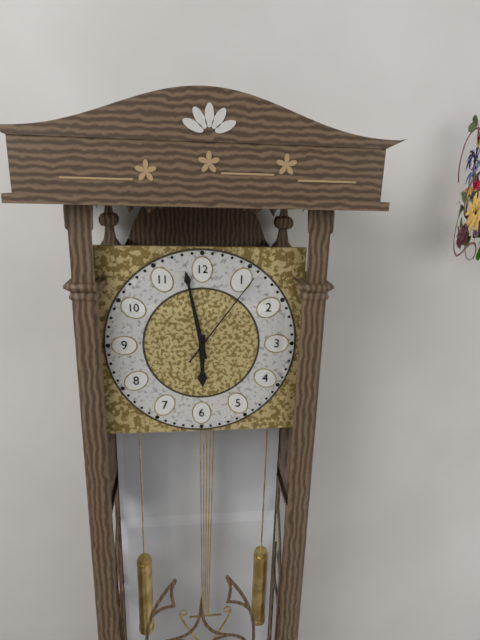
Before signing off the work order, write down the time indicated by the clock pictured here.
5:58:06
